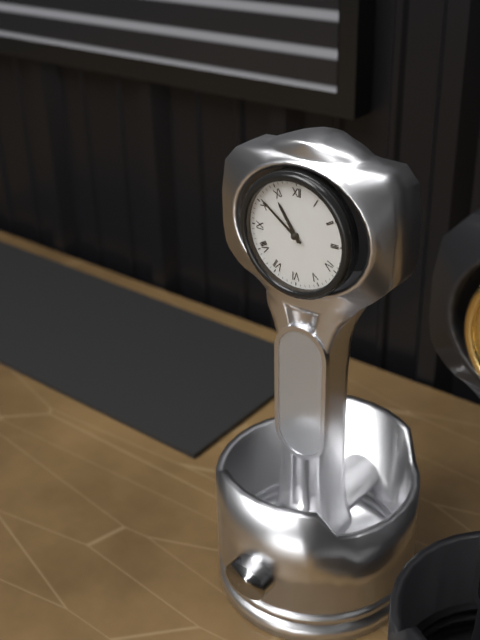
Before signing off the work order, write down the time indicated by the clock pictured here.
10:51
